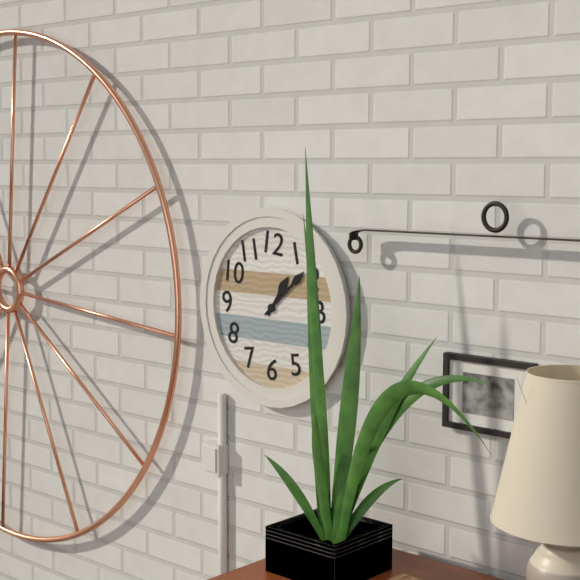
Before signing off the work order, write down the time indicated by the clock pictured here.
1:08
